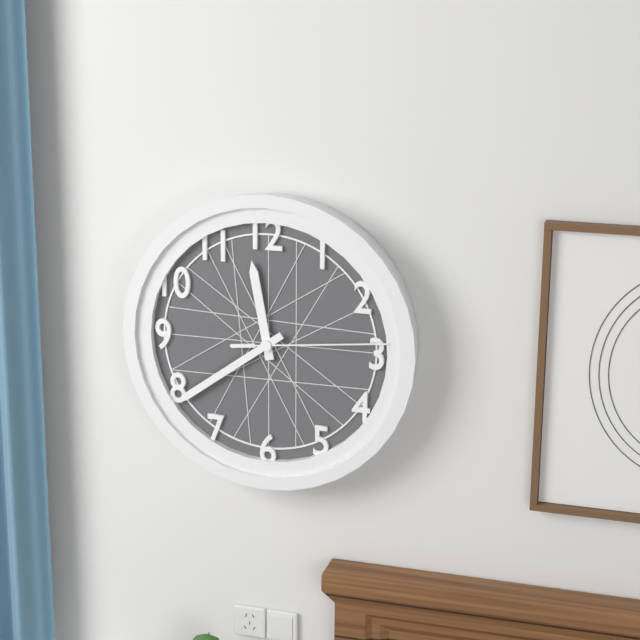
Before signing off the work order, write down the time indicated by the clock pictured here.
11:39:14
